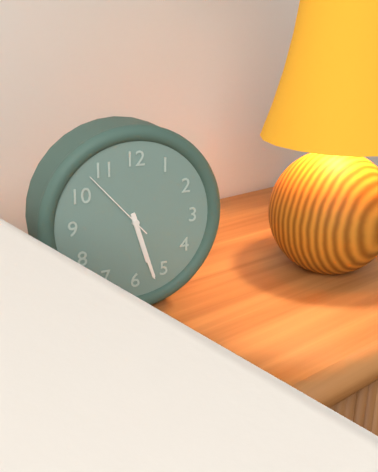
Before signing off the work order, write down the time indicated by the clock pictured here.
5:27:53
